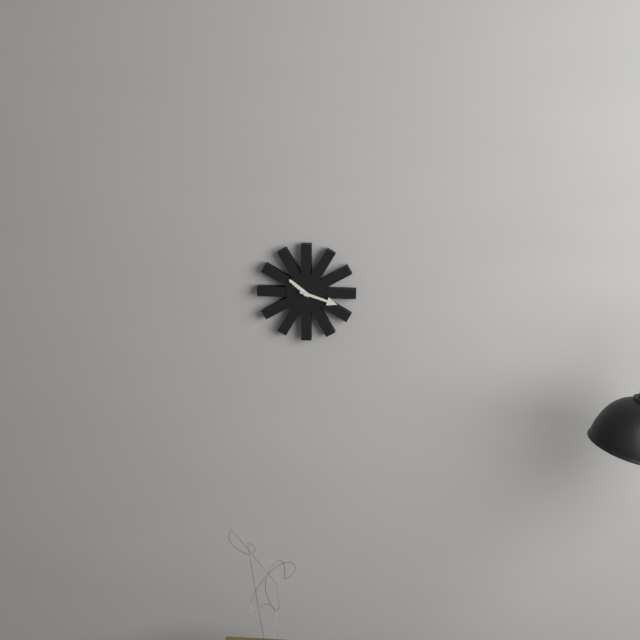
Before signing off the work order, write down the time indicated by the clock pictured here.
10:18
